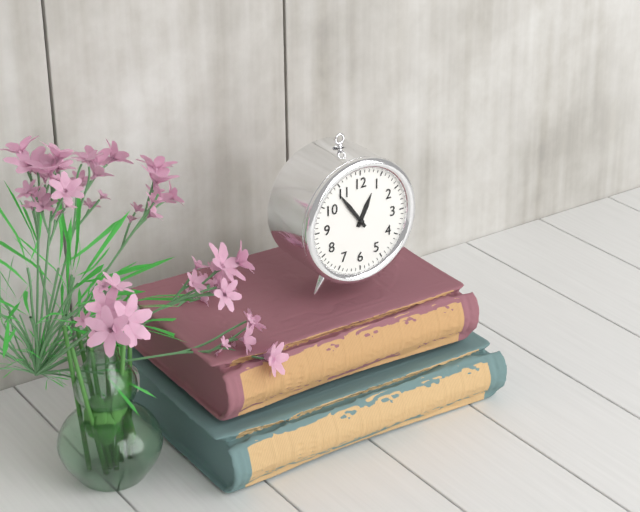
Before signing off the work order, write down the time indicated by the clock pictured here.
12:54
